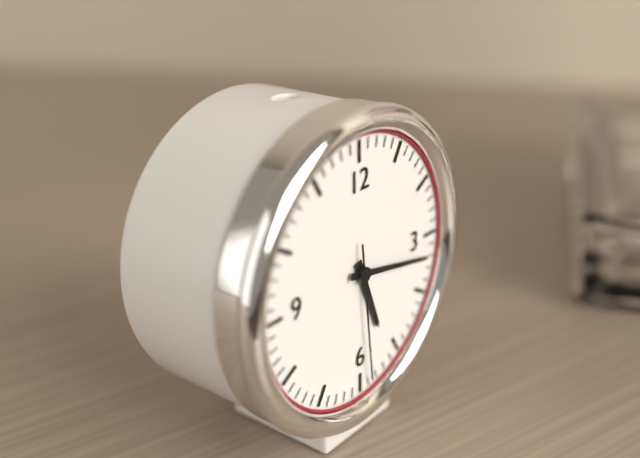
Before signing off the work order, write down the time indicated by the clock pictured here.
5:17:29
